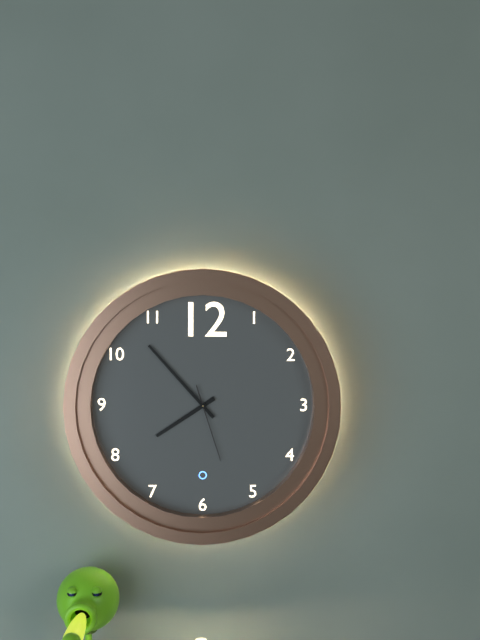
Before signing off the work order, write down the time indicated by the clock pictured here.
7:53:27
